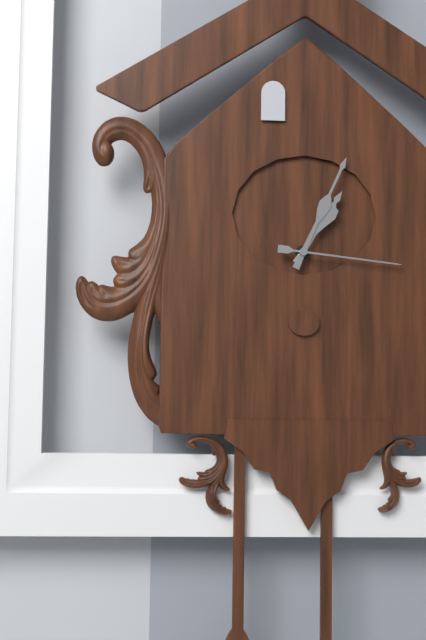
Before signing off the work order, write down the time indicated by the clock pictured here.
1:04:16
